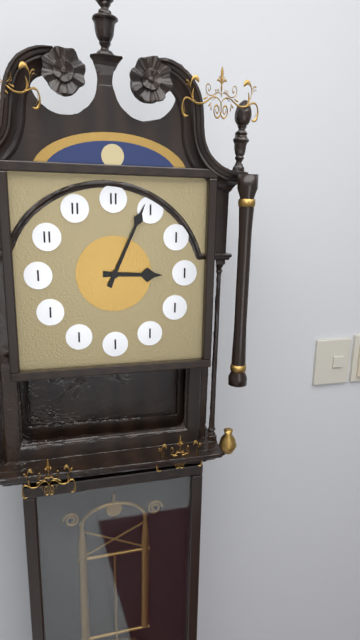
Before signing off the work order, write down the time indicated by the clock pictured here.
3:04
